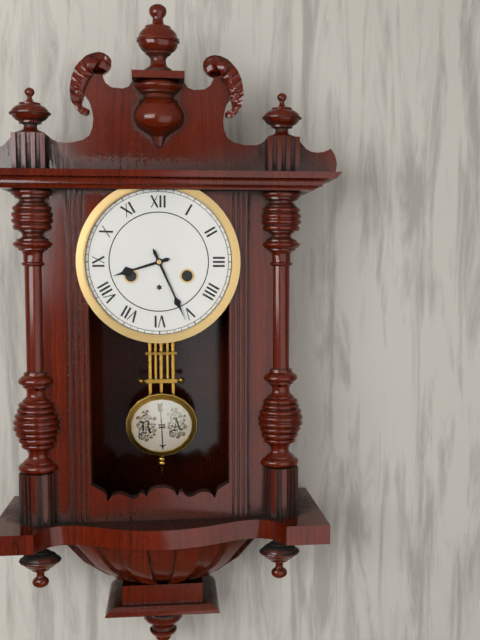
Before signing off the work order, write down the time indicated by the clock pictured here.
8:26
